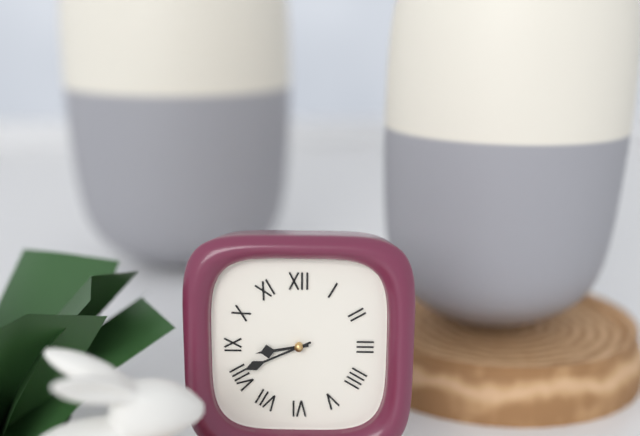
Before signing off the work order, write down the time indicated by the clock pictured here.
8:41
